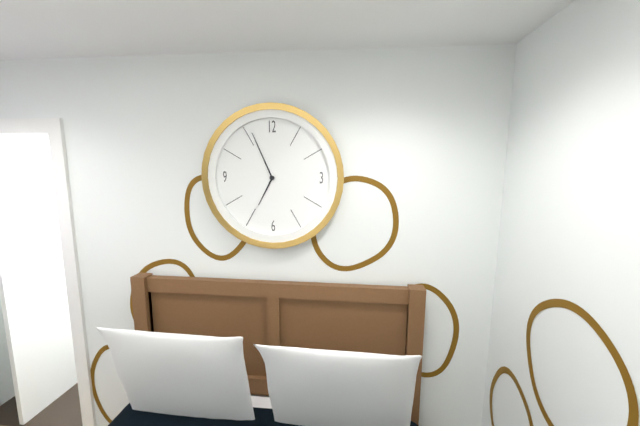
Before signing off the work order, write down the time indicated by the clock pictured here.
6:56
